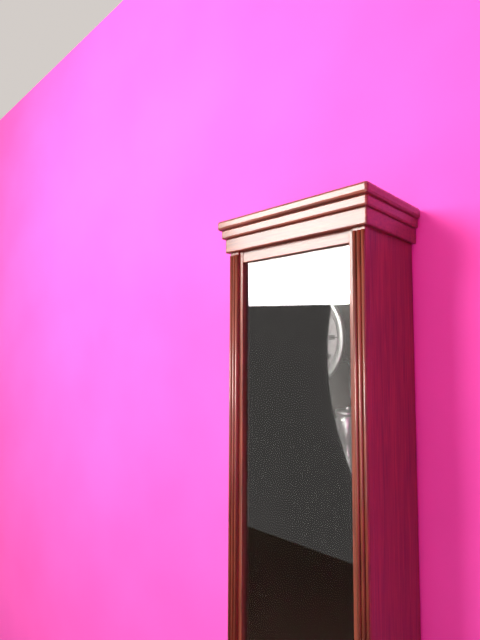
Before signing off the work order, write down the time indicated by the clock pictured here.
3:09
